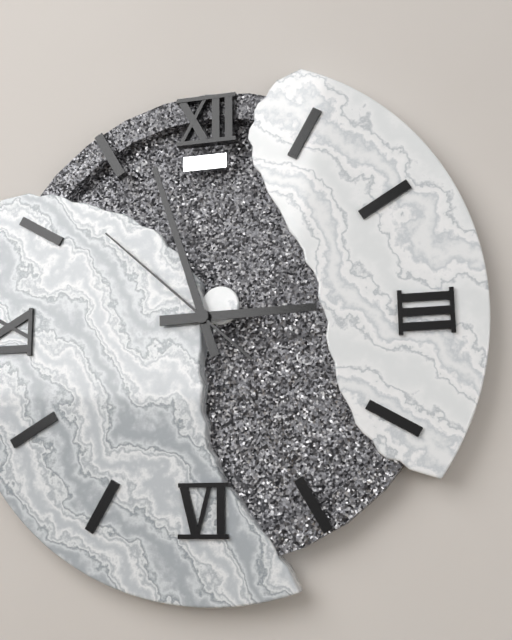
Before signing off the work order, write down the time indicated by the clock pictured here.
2:57:52
